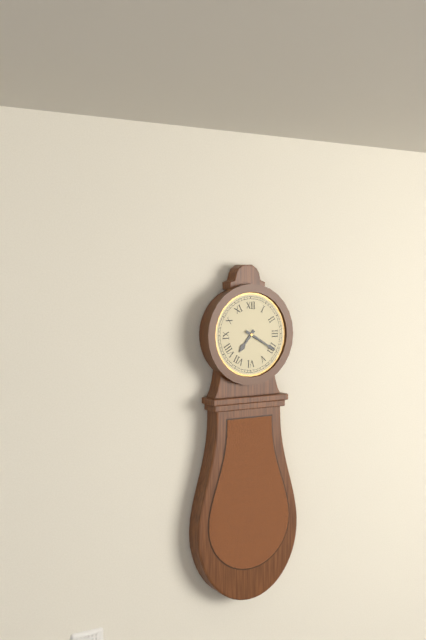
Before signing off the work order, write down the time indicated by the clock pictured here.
7:20
